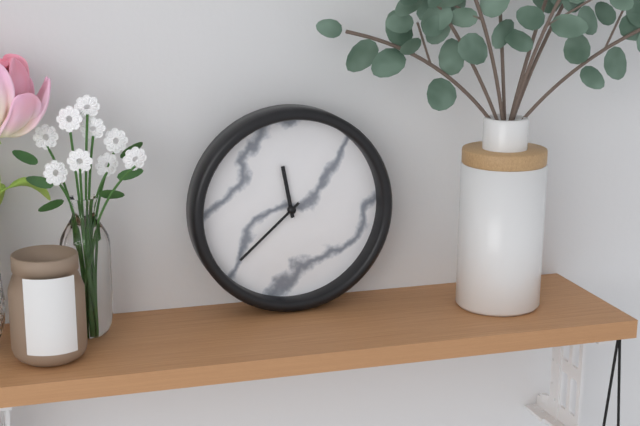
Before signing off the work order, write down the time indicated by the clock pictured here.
11:38
